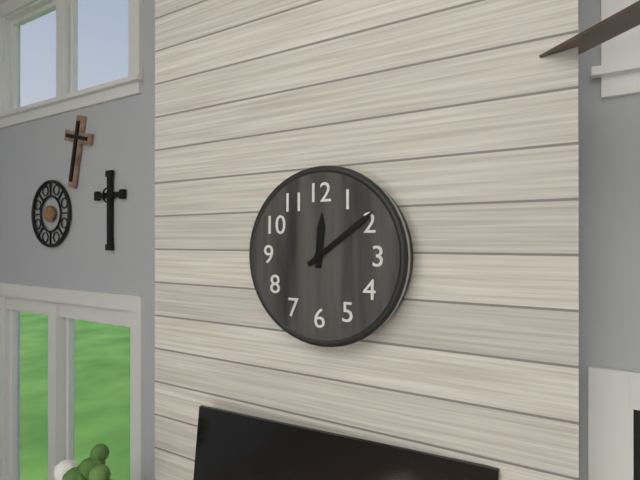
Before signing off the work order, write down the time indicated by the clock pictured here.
12:09
